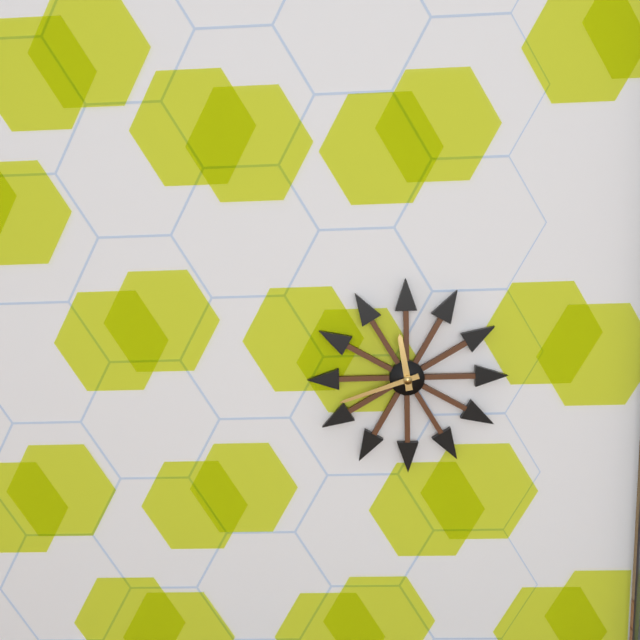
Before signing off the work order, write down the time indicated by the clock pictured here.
11:42
